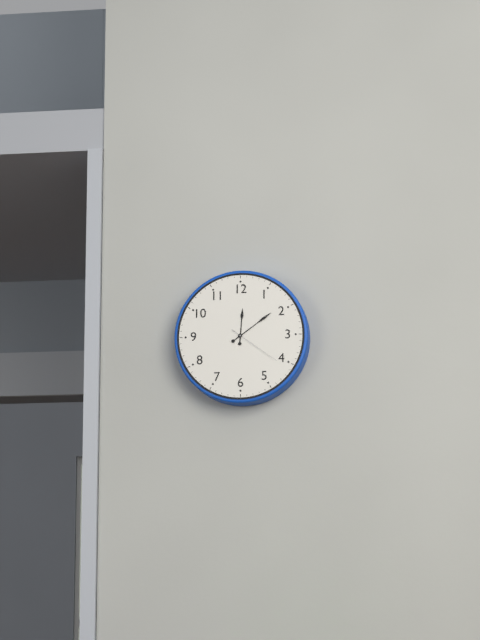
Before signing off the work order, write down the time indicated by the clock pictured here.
12:09:21
